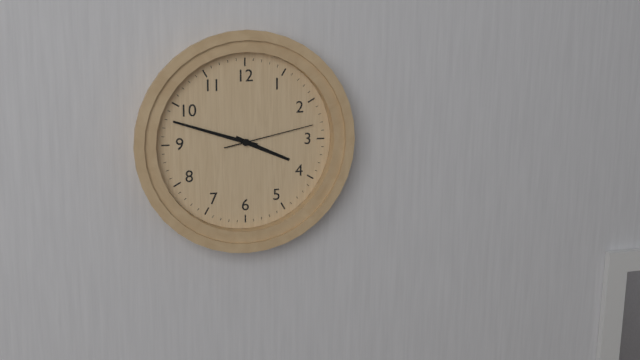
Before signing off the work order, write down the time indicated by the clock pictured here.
3:48:13
